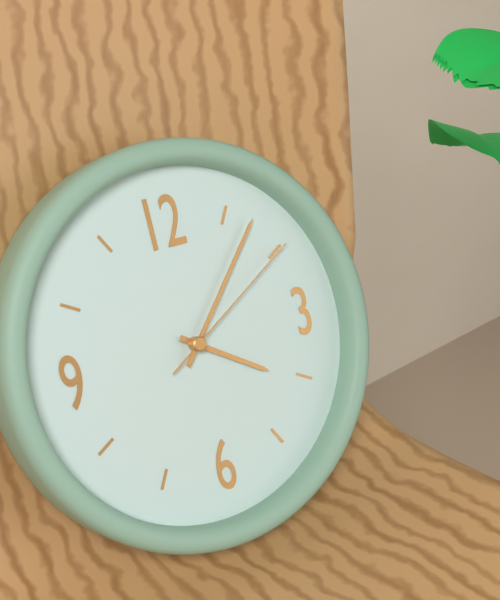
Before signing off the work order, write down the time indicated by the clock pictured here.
4:07:10
